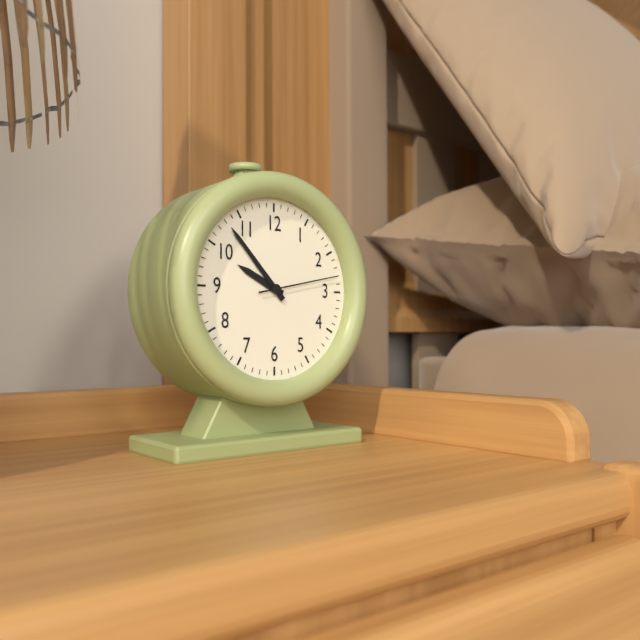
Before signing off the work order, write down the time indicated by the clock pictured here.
9:53:13
